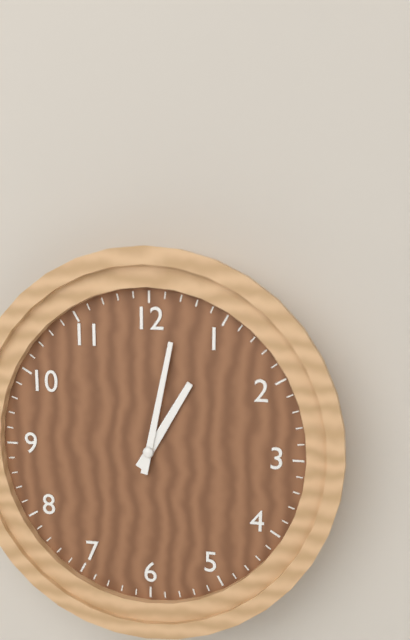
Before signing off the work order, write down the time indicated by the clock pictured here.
1:02
